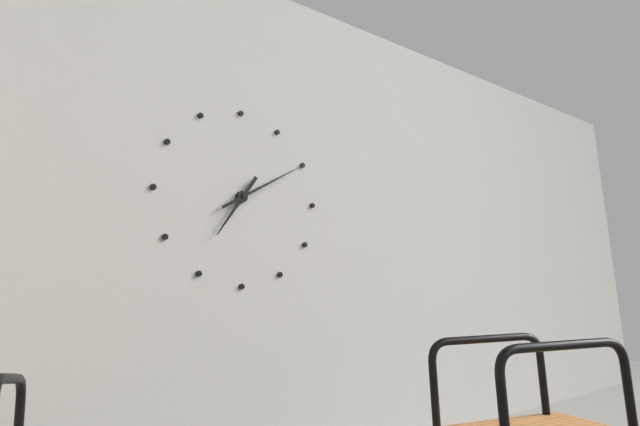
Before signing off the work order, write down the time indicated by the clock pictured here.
7:10
